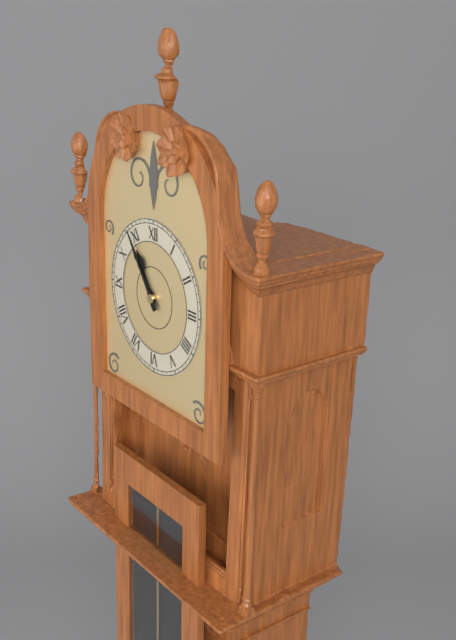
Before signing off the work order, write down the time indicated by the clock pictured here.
10:54
